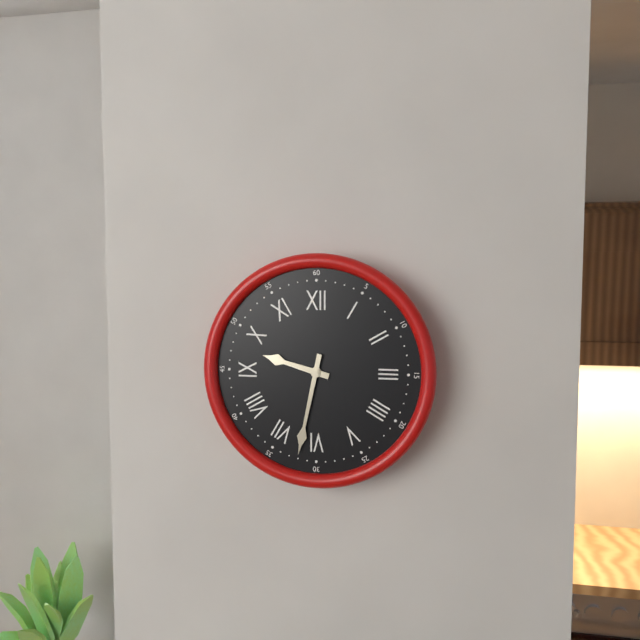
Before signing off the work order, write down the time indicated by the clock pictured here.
9:32
